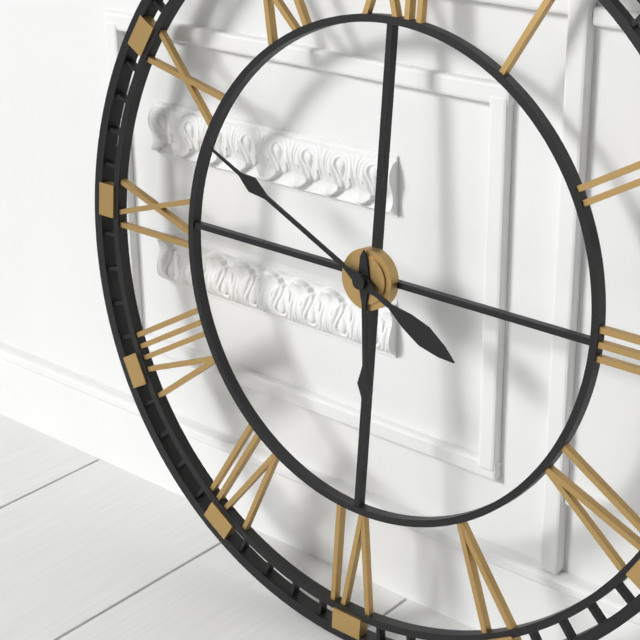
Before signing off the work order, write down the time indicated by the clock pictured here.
5:49
